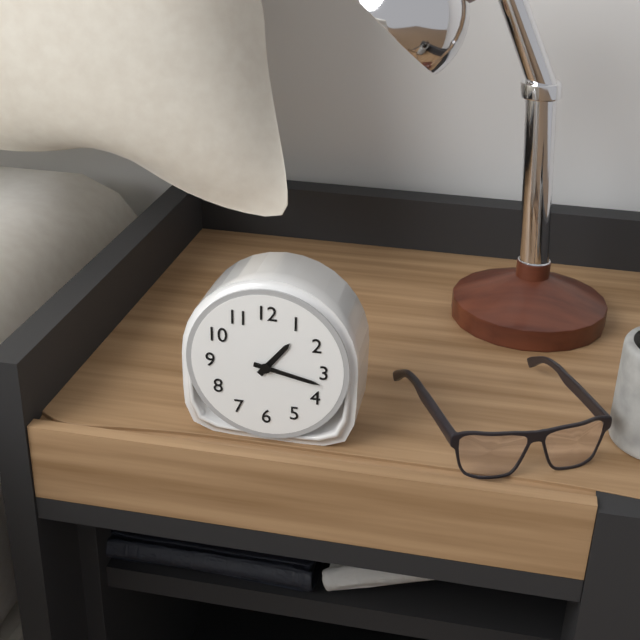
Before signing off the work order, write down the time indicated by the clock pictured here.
1:17
